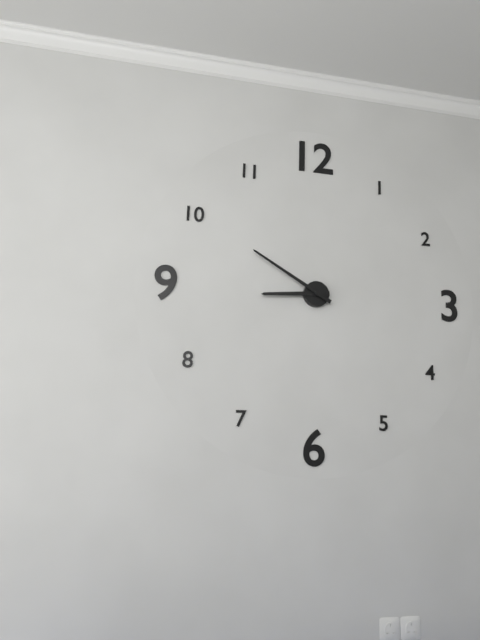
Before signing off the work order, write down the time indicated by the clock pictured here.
8:50
